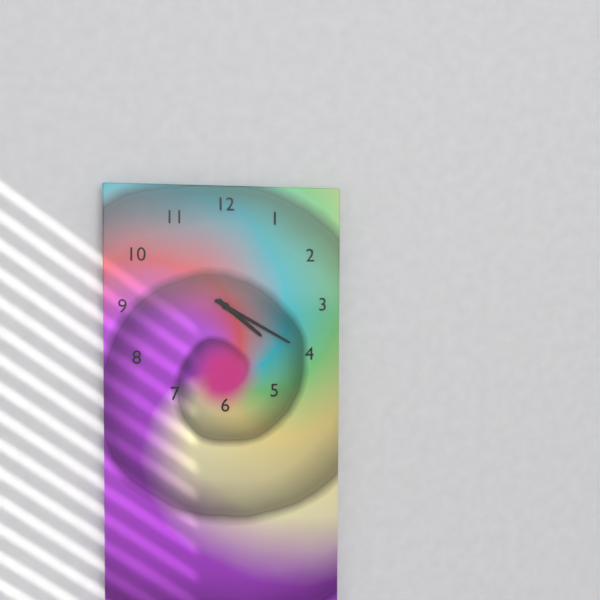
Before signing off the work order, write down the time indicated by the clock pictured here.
4:20
